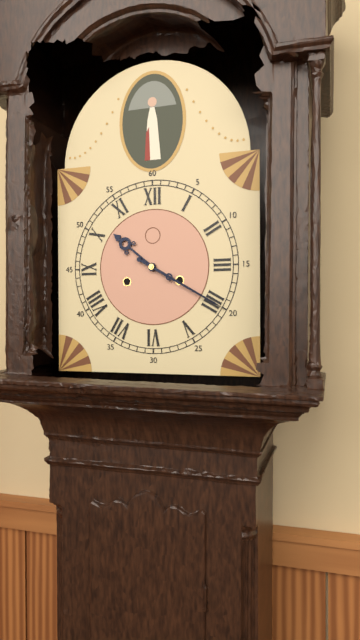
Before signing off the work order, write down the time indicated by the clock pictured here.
10:20
